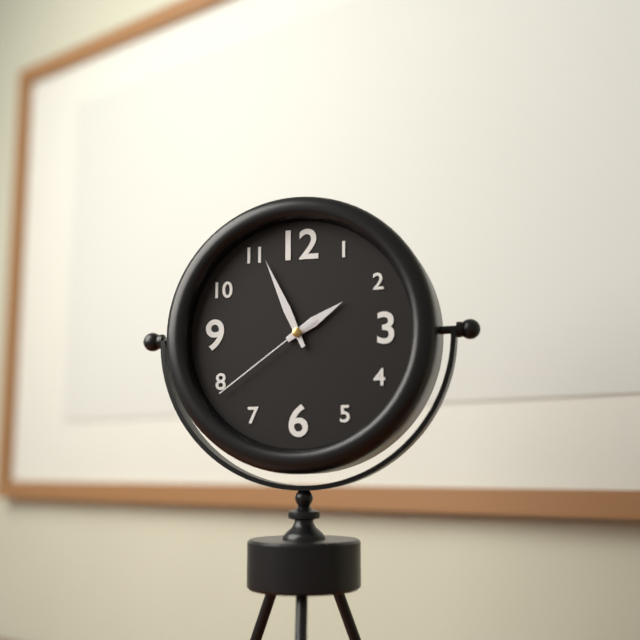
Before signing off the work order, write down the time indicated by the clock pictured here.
1:56:39
